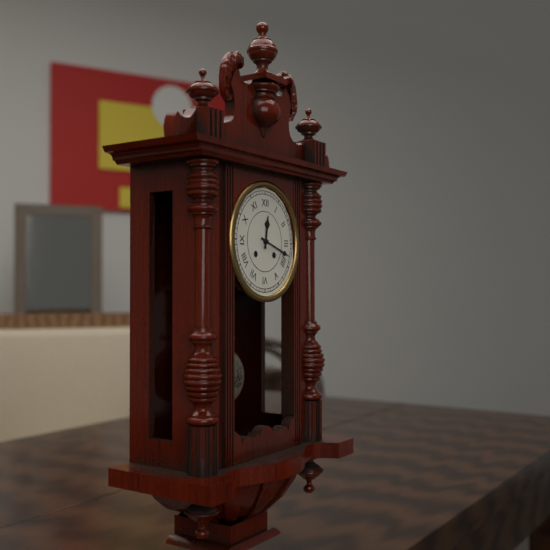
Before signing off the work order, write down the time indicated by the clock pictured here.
12:18
